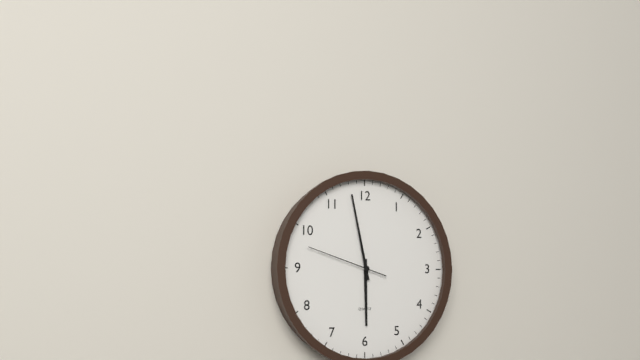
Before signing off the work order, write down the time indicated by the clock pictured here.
5:58:48
